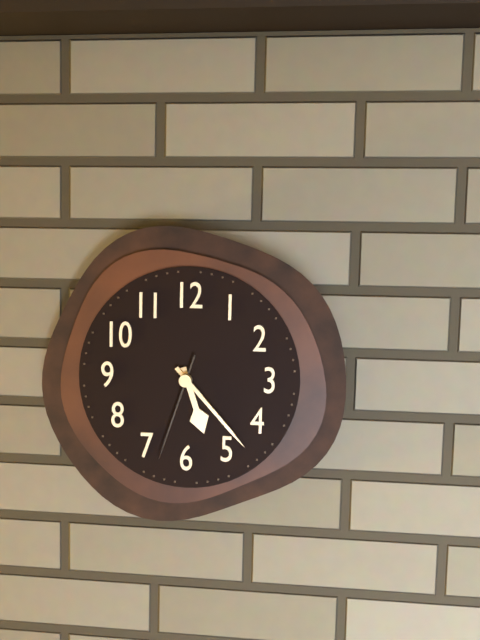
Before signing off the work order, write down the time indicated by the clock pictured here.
5:23:33
